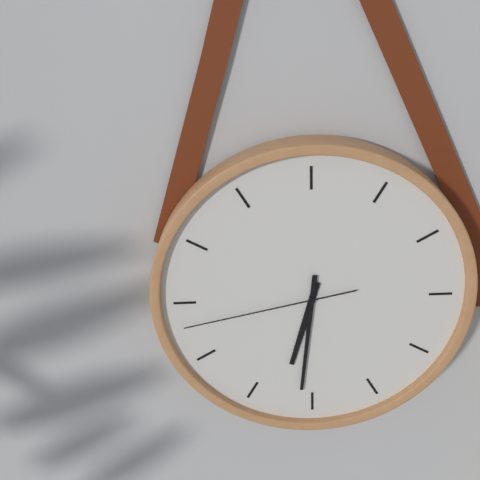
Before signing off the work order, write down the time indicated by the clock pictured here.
6:31:43
